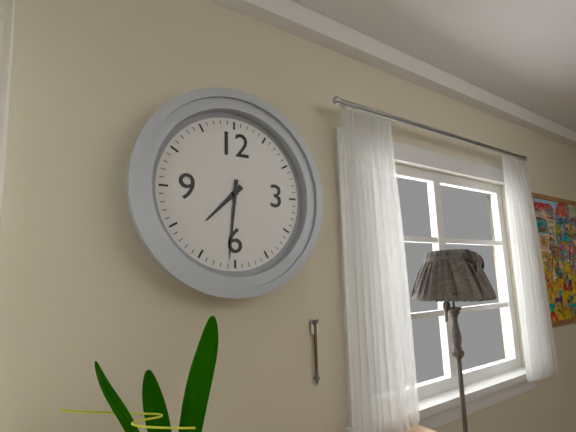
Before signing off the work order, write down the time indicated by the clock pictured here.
7:31
